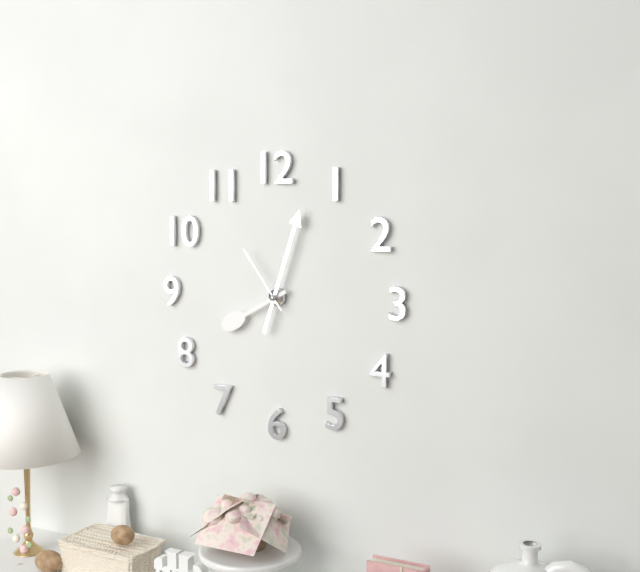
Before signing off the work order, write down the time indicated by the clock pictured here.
8:03:54
